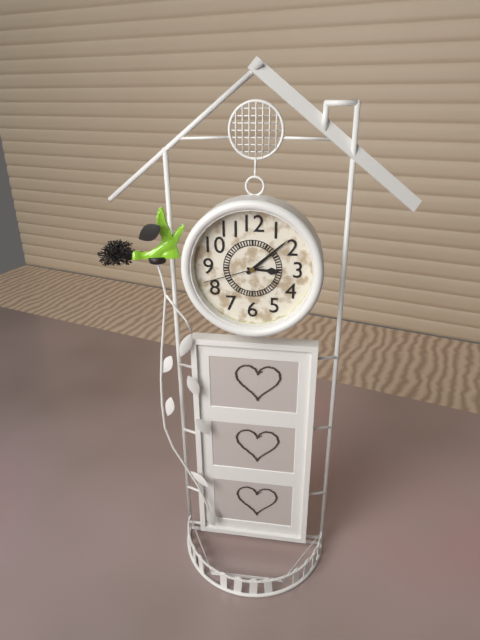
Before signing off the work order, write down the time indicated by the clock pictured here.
3:08:42
